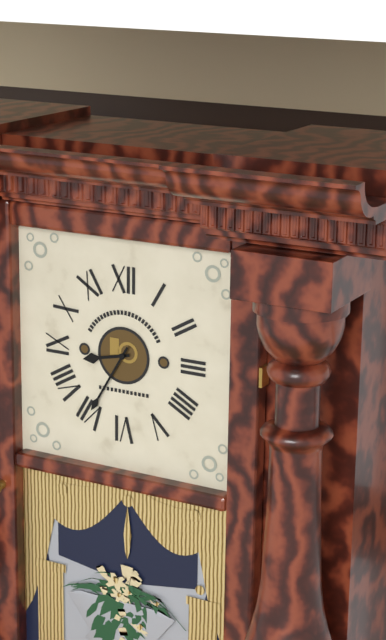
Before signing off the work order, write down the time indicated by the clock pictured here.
8:35
